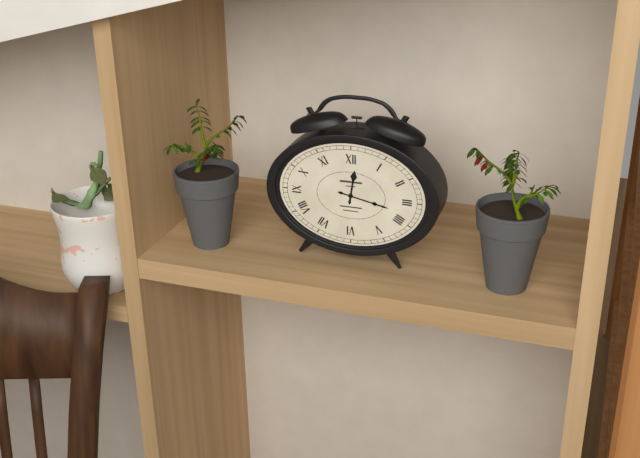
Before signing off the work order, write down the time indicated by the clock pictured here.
12:17
